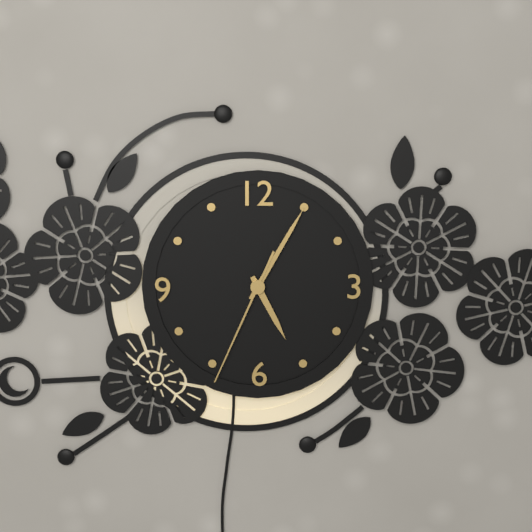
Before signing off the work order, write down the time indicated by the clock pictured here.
5:05:34
